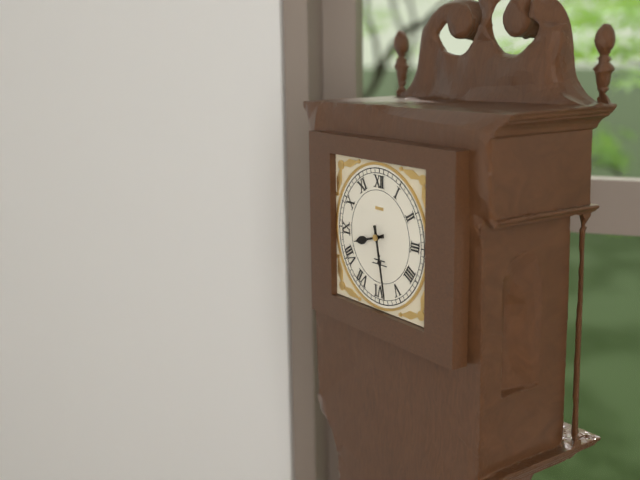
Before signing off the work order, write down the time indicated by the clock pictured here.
8:28
